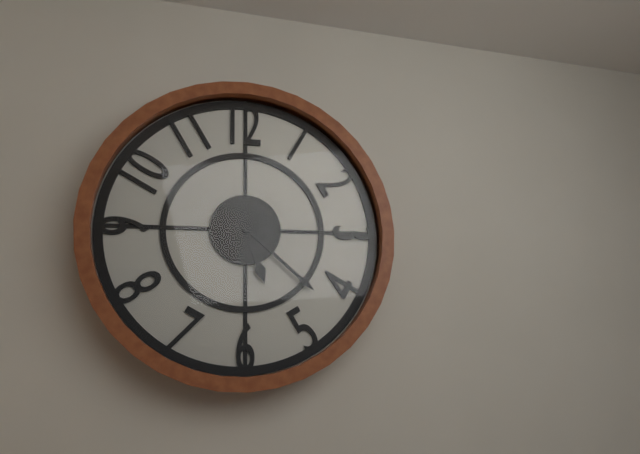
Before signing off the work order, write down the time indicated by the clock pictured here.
5:22
